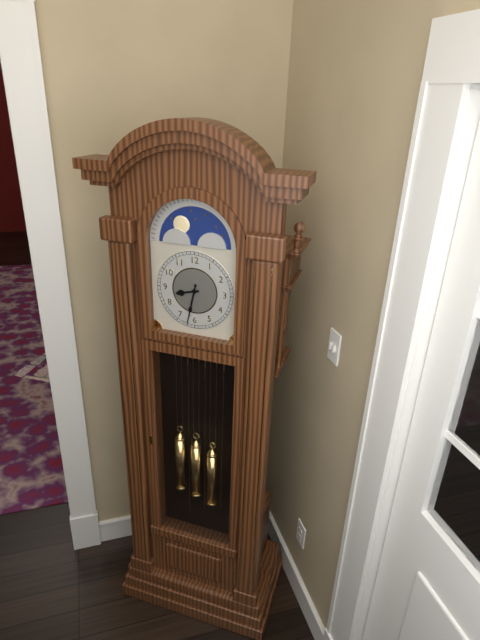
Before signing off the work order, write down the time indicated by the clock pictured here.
8:32
